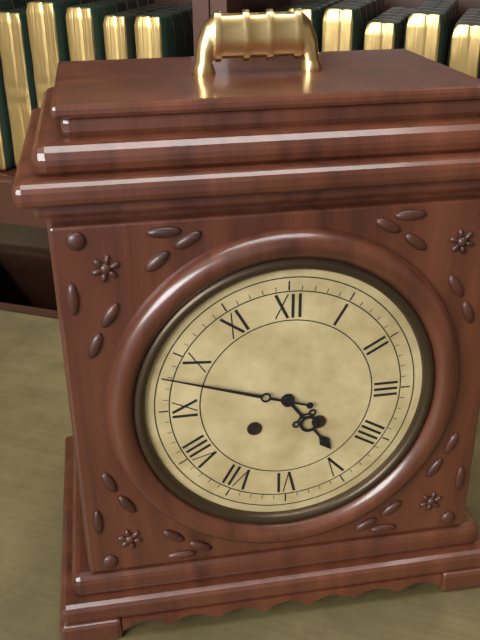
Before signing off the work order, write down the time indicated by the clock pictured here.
4:48
